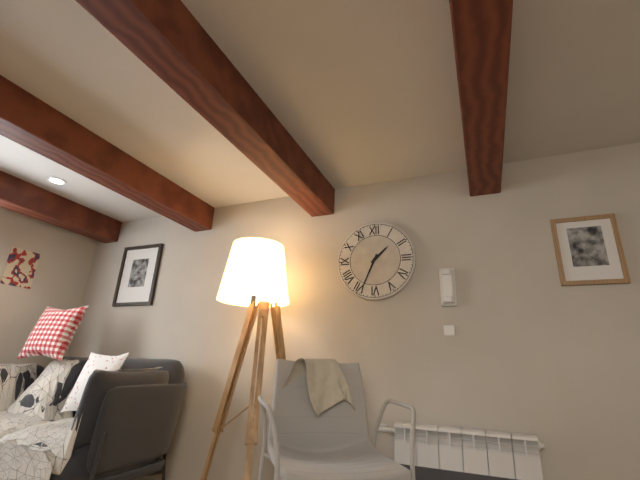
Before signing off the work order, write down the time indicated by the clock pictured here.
1:34
